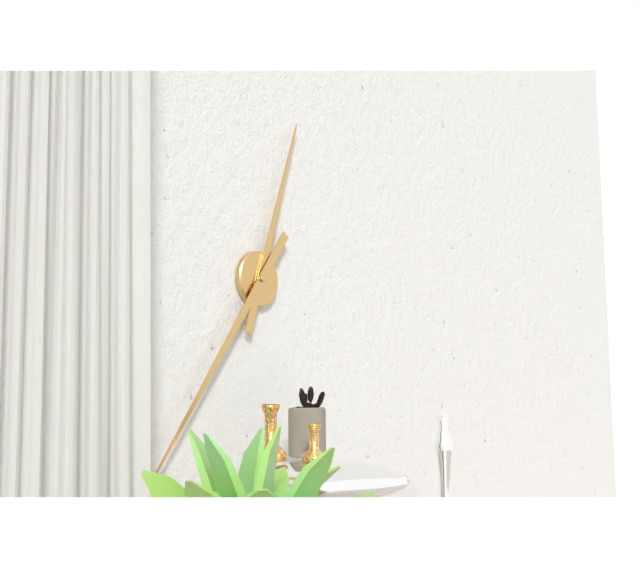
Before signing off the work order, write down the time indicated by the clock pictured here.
12:36
